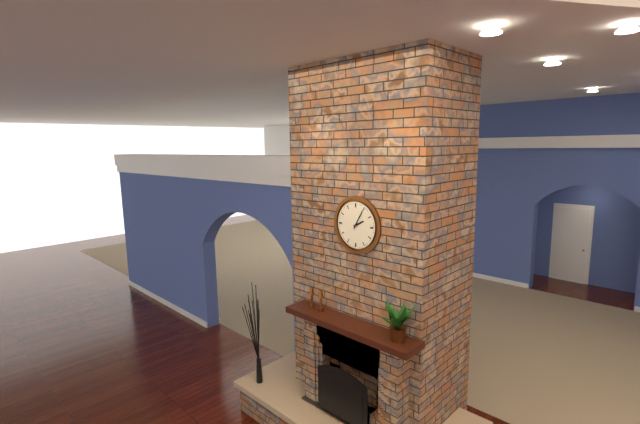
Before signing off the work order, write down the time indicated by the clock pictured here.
2:05
